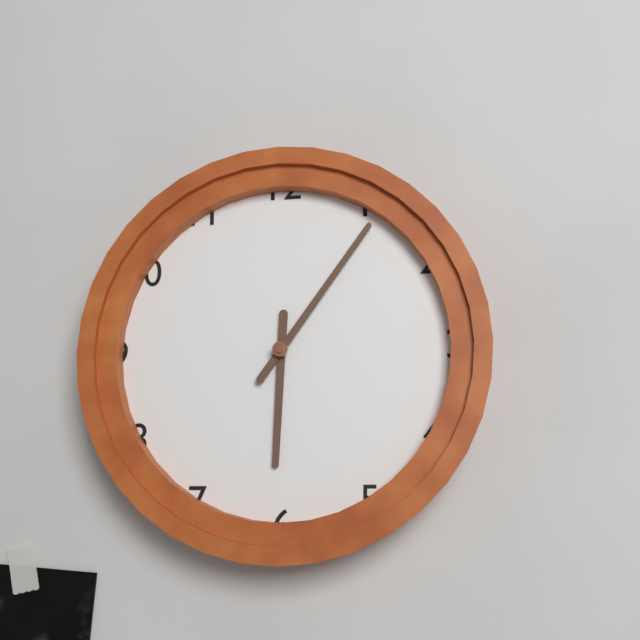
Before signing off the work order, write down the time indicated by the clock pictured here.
6:06
